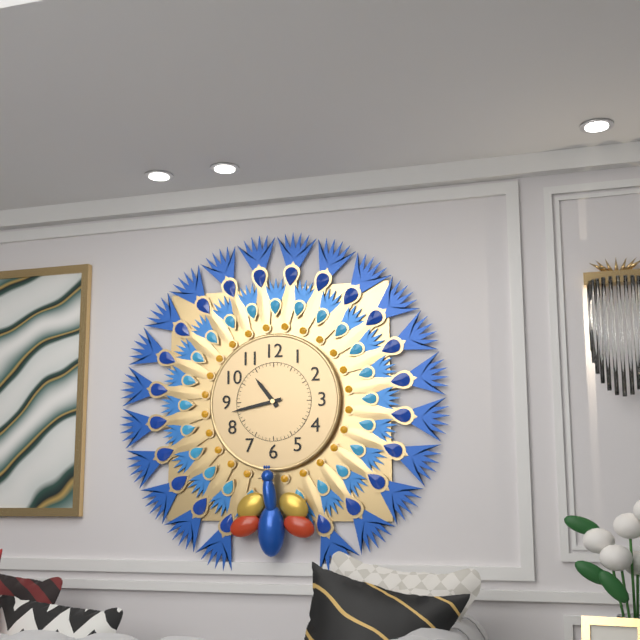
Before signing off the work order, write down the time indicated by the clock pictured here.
10:43
